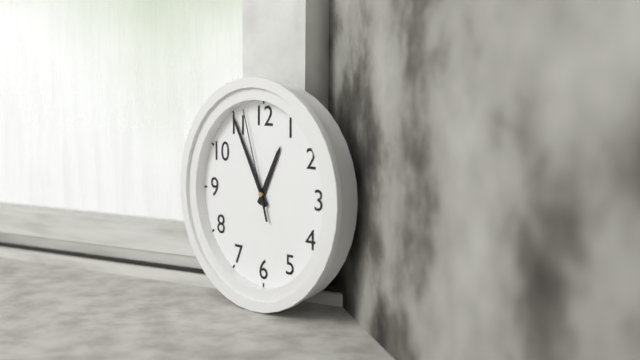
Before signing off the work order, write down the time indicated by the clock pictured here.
12:55:57
